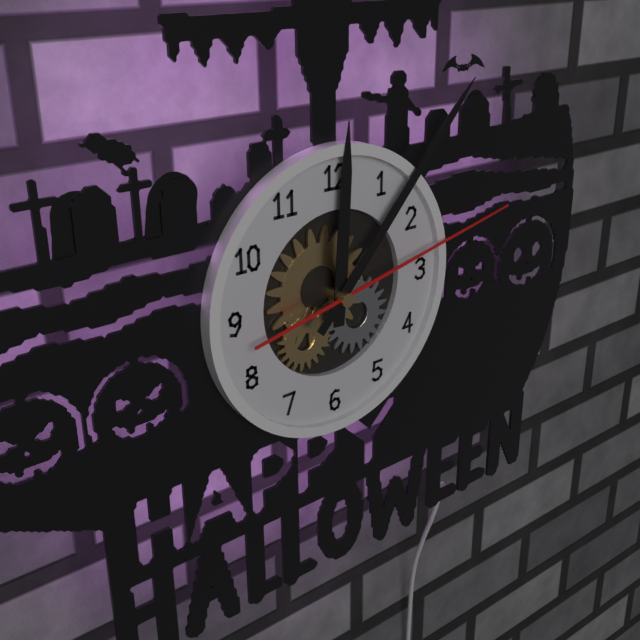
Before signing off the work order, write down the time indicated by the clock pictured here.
12:07:13
